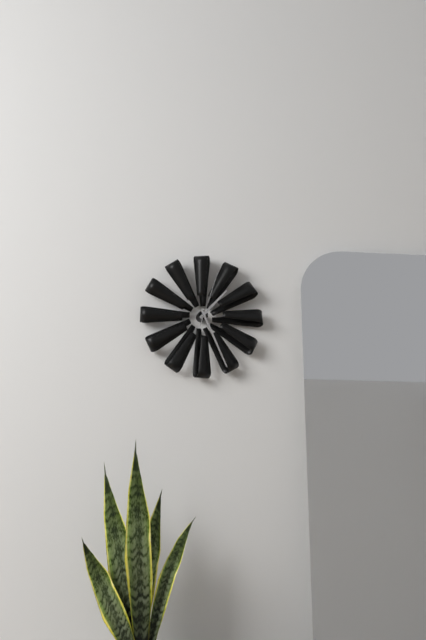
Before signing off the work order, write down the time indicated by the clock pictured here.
1:26:03
